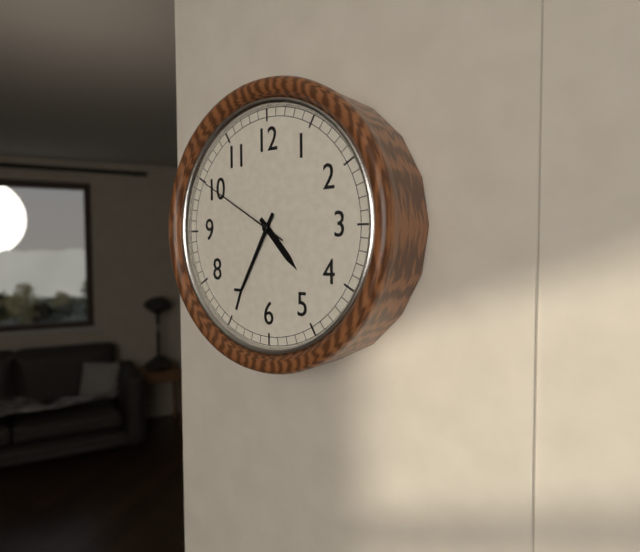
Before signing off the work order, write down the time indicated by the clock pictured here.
4:35:50
